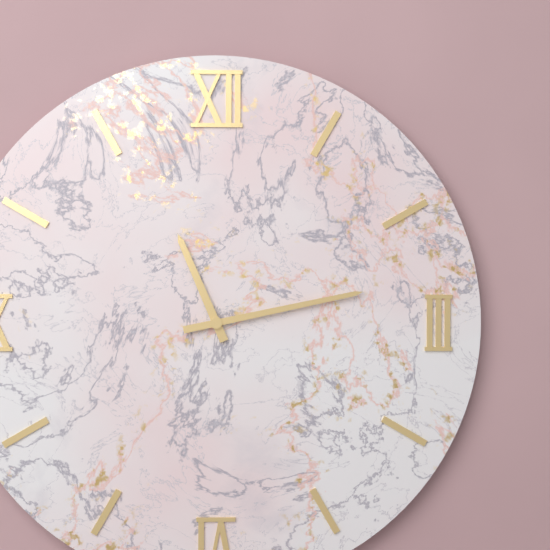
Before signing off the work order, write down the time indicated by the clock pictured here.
11:13
